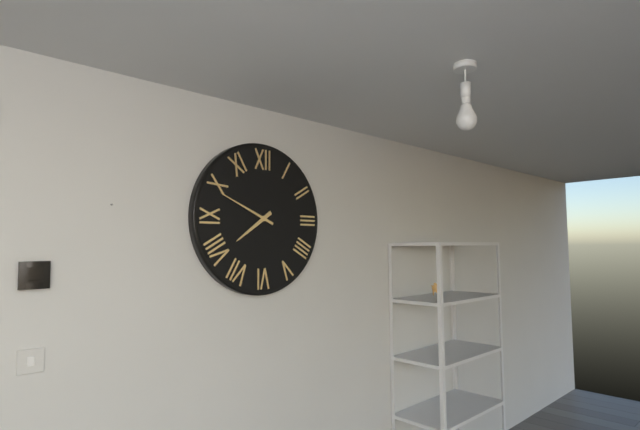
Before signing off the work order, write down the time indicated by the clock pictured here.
7:49
